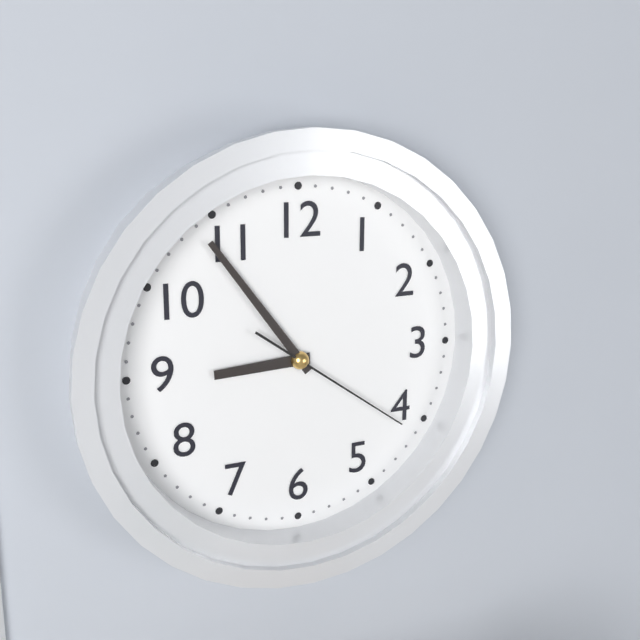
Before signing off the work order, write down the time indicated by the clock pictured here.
8:54:21
